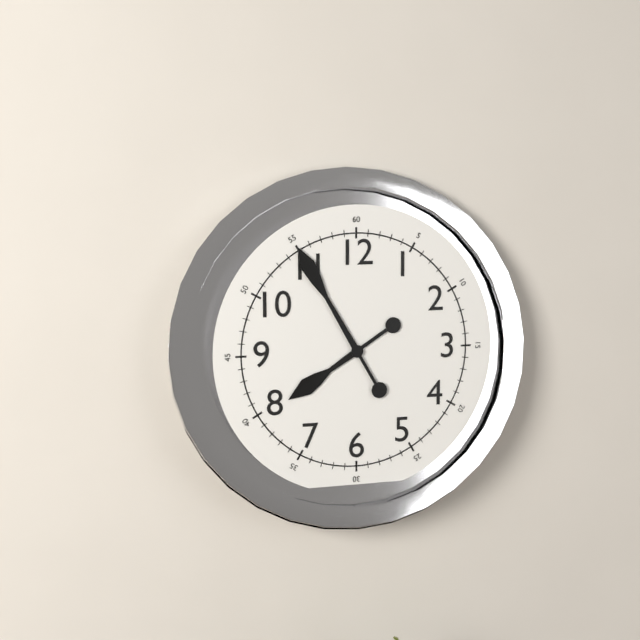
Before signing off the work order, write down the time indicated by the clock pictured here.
7:55
